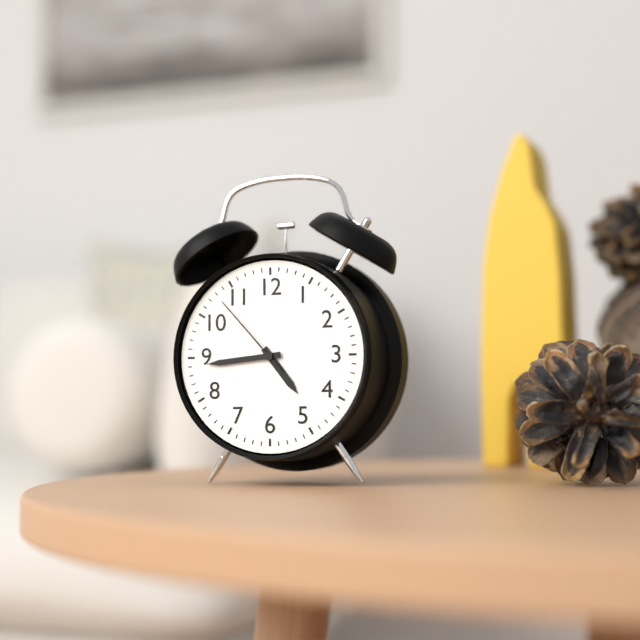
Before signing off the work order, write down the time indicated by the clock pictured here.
4:44:53
